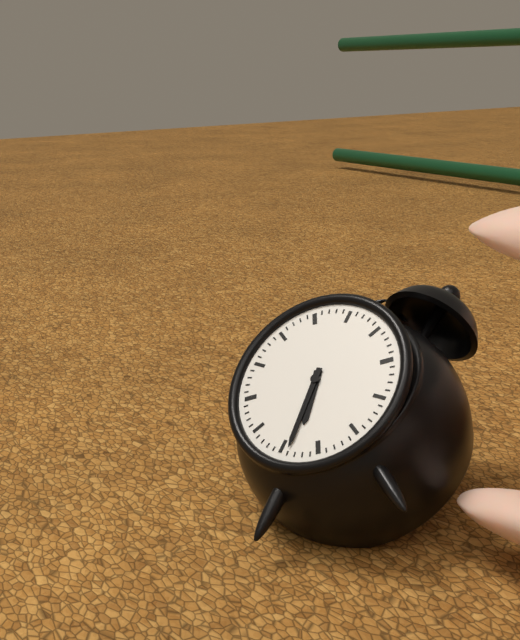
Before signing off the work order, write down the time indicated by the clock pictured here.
6:34
